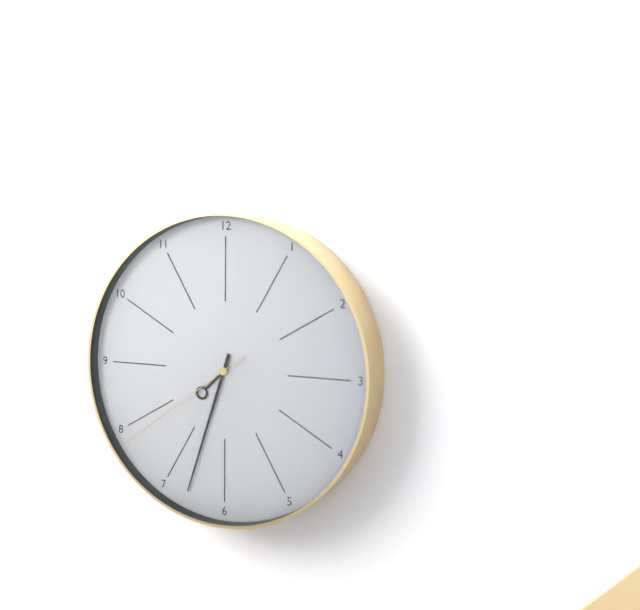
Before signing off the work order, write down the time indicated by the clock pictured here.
7:33:39
